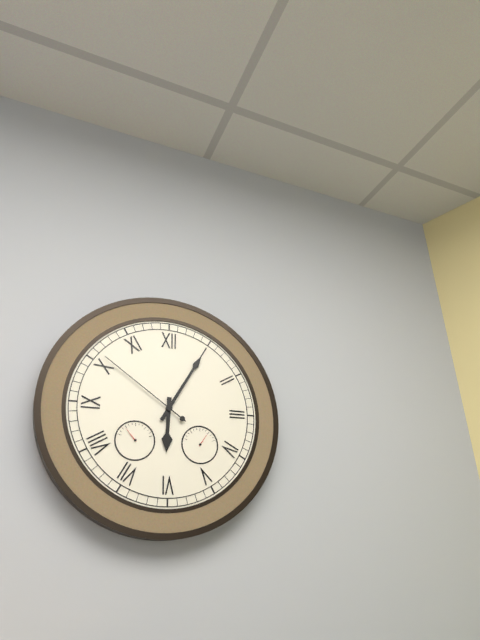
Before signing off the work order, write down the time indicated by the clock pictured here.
6:05:51
